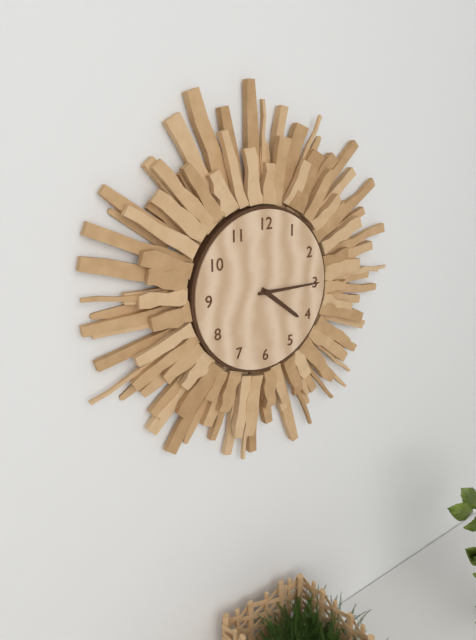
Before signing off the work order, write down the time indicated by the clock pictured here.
4:15
